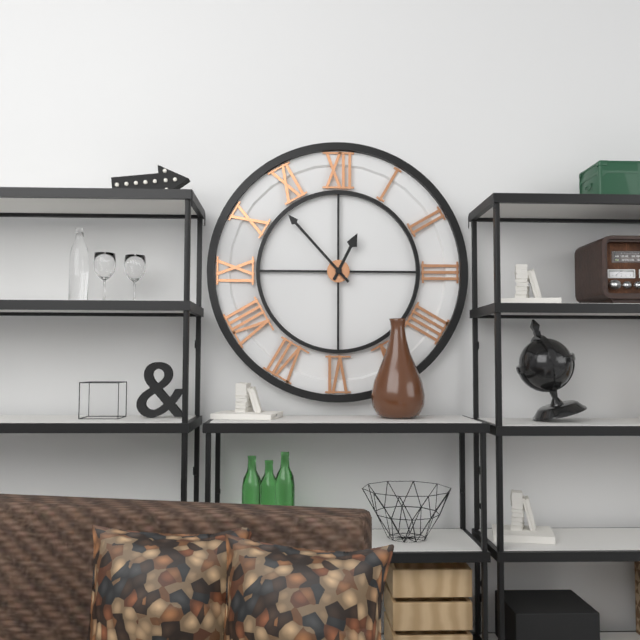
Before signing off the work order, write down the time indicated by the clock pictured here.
12:53
